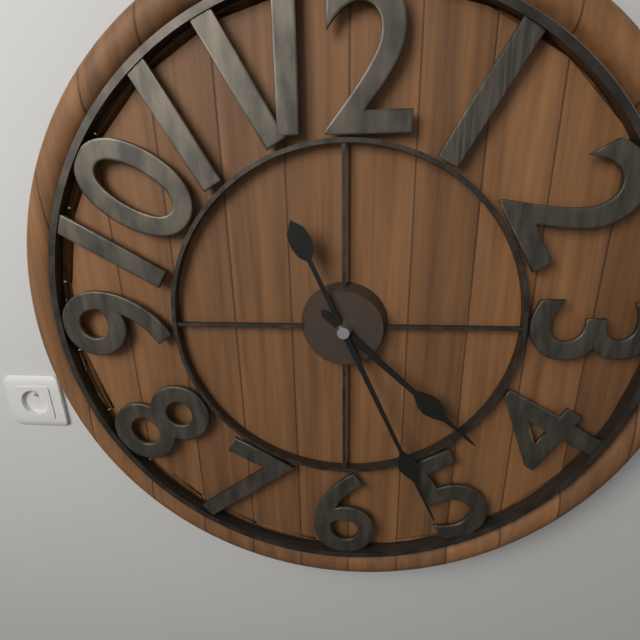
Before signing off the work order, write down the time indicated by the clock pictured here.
4:26
